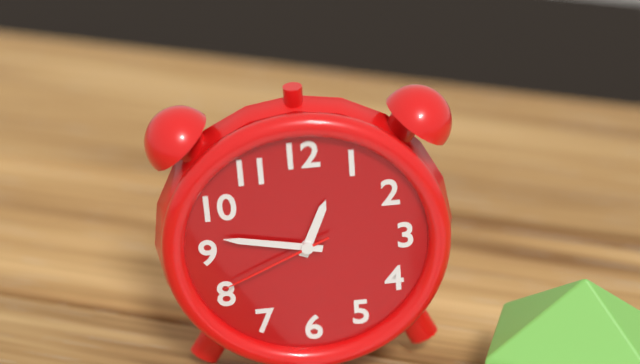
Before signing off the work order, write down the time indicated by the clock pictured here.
12:47:41
